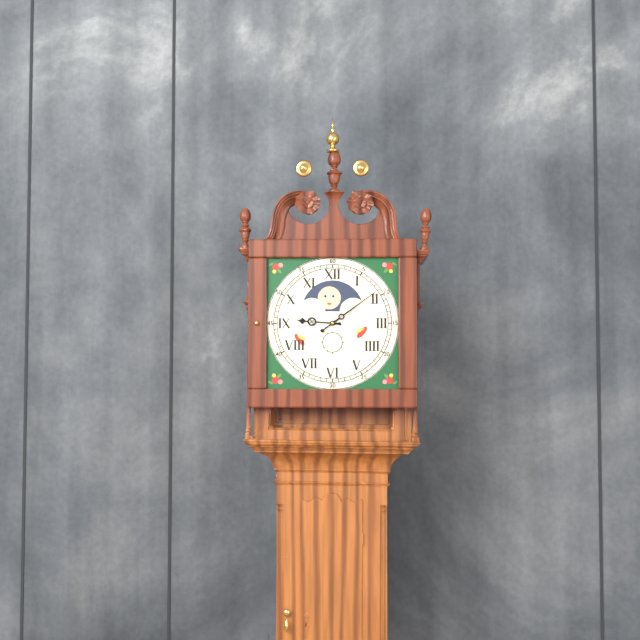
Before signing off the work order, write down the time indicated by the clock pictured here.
9:09
